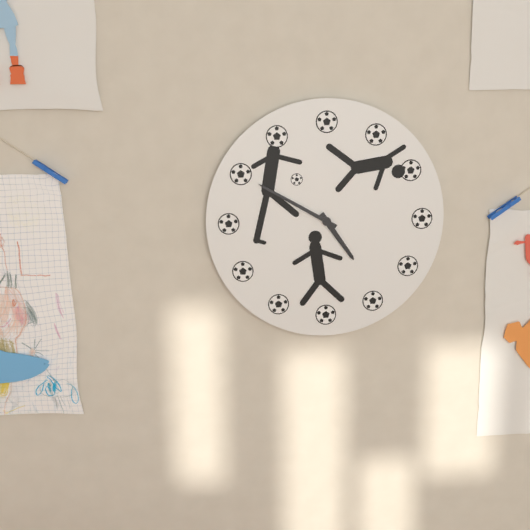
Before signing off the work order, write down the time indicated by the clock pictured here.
4:50
